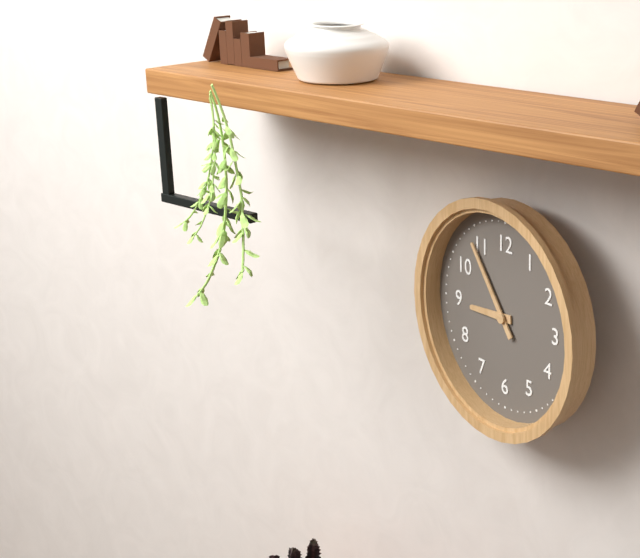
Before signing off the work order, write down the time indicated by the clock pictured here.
8:54
